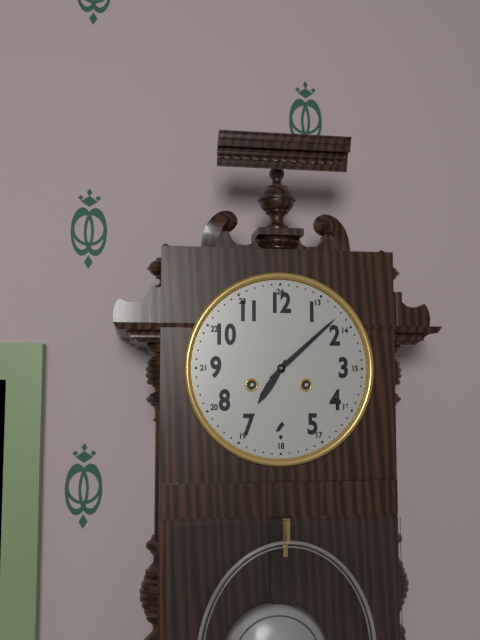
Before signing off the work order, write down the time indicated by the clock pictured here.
7:08
